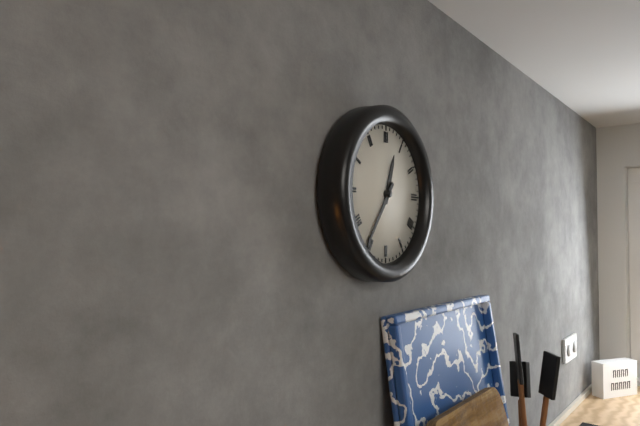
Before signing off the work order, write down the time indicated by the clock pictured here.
12:36
